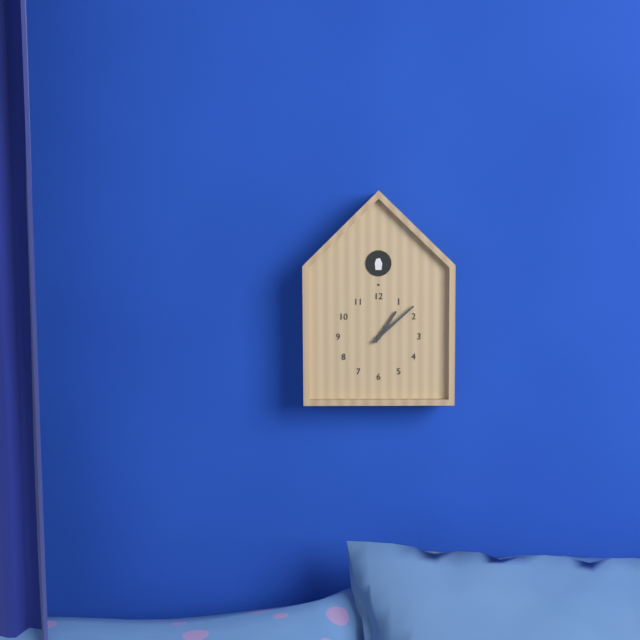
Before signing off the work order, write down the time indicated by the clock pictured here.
1:08
